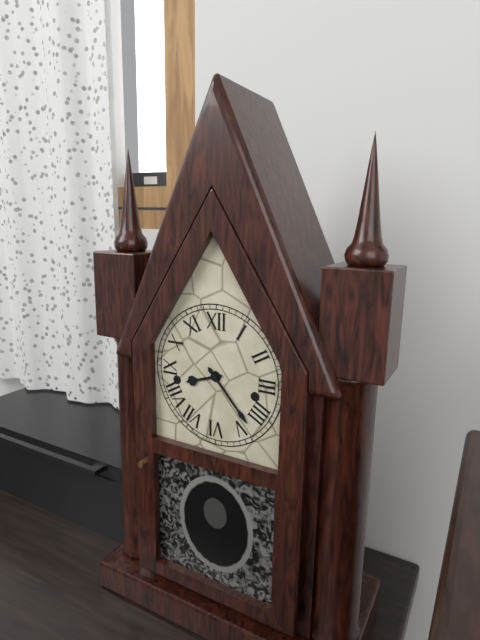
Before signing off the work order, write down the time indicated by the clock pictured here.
8:23
